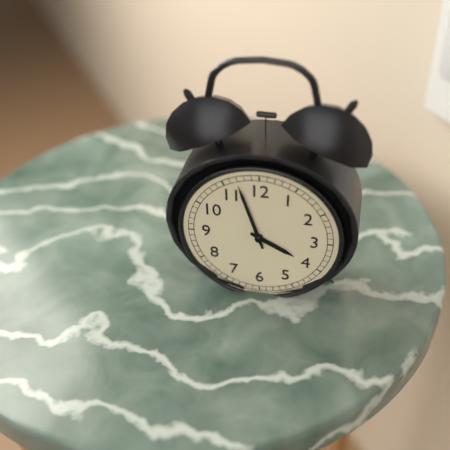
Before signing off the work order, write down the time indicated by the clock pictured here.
3:57
